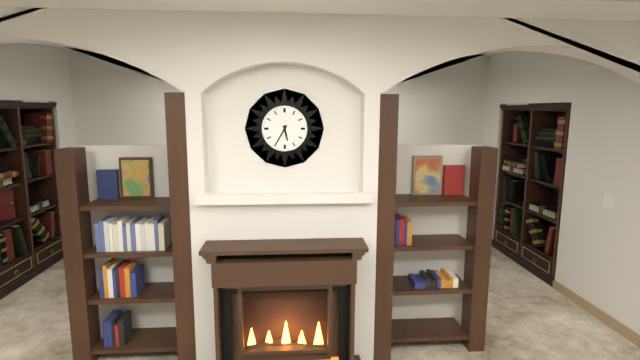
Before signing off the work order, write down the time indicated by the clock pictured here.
5:35
